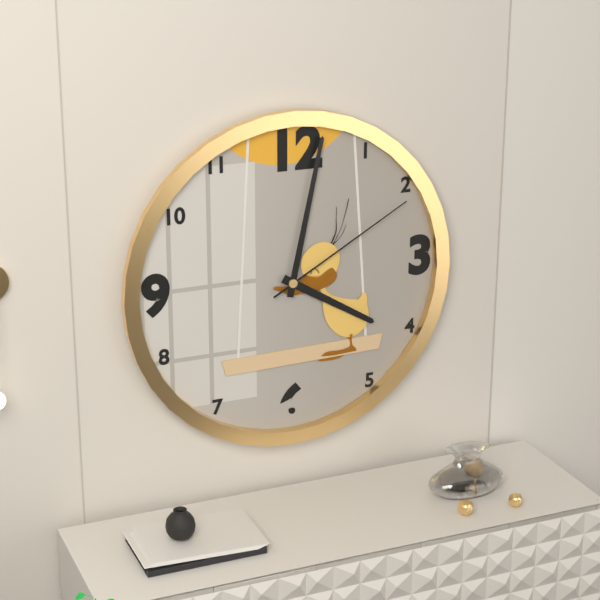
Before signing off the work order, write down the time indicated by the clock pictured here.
4:02:10
